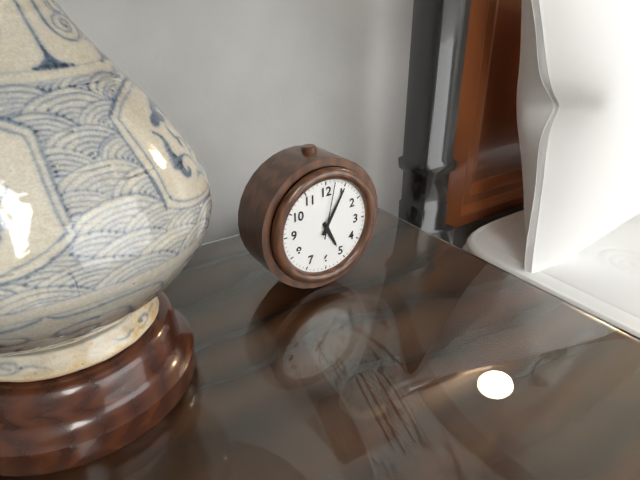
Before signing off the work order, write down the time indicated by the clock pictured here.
5:05:02
